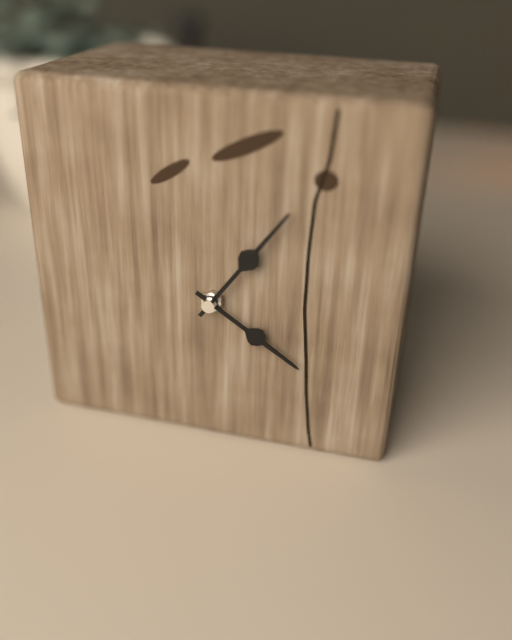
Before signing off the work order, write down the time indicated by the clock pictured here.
4:06
